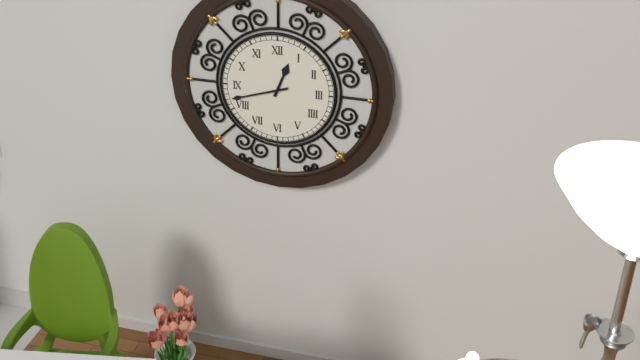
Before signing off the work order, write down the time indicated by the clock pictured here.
12:42
